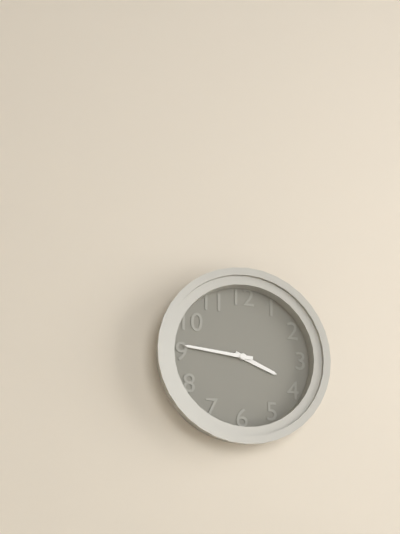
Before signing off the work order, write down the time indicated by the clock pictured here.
3:46
